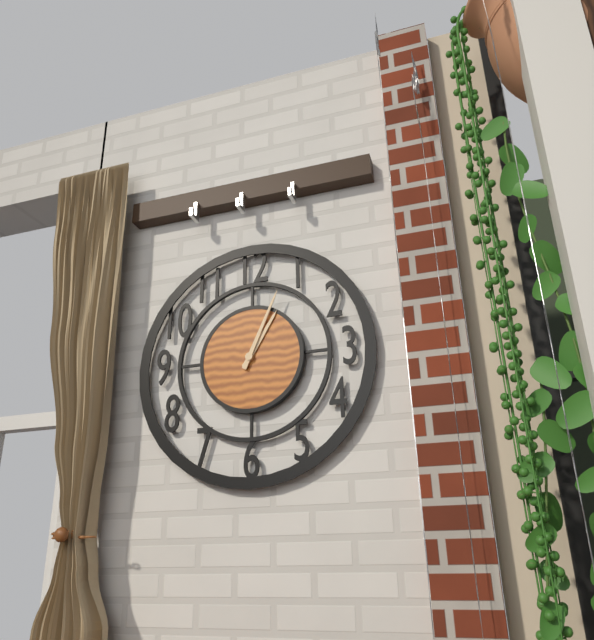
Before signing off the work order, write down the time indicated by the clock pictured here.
1:04
